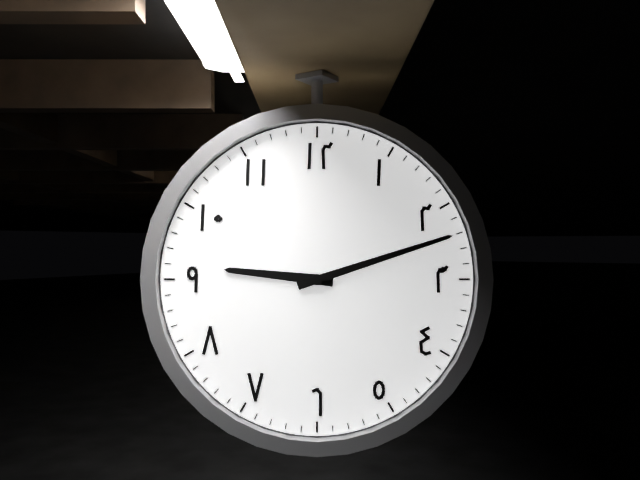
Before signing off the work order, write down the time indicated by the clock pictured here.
9:12
